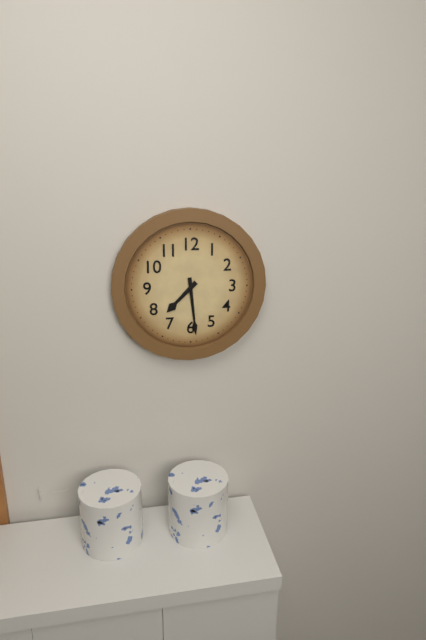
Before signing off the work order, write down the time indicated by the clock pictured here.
7:29
